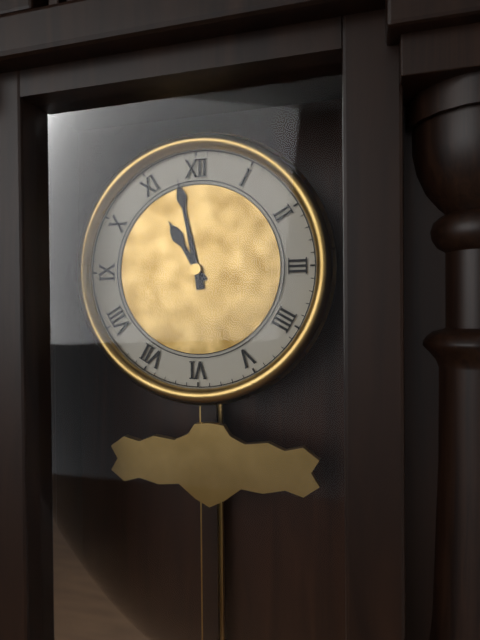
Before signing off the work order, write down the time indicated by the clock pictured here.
10:58
